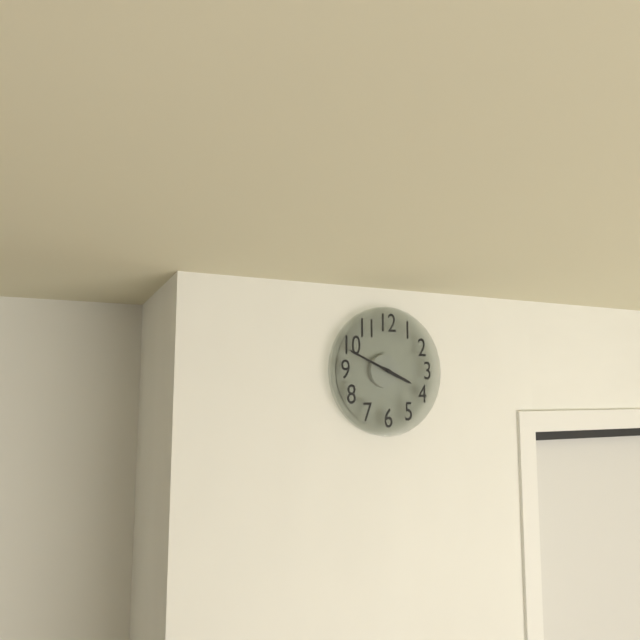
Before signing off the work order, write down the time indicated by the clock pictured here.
3:49
